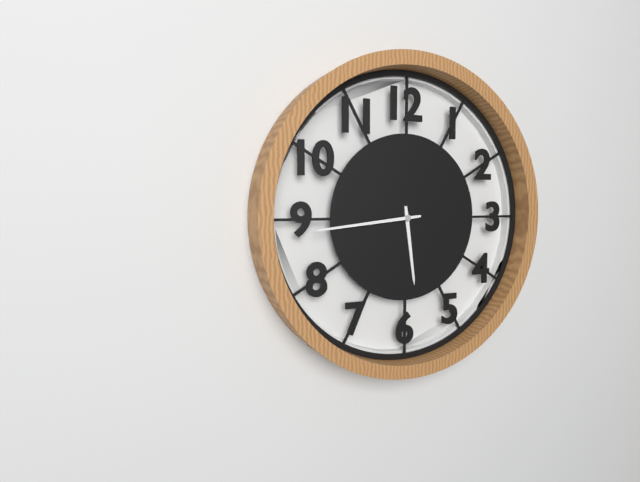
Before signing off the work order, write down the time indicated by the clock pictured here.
5:44
